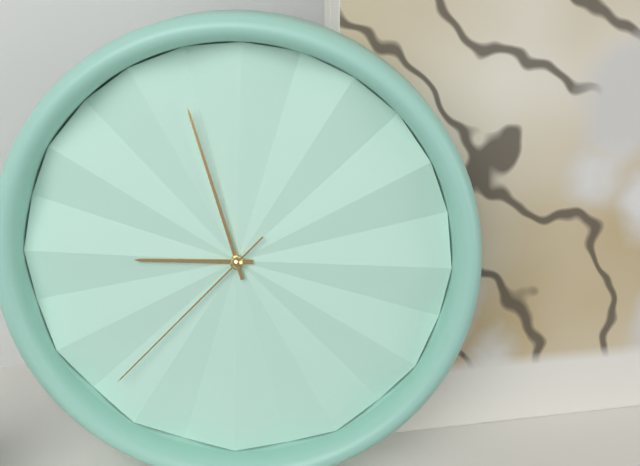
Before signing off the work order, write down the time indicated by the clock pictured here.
8:57:37
